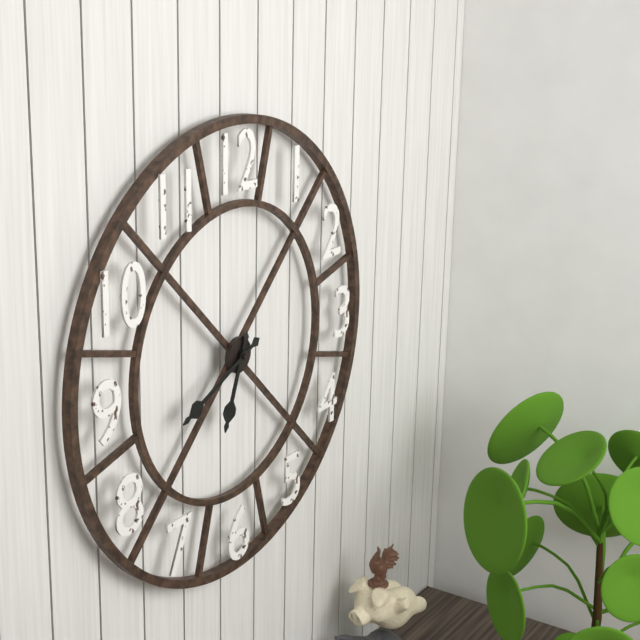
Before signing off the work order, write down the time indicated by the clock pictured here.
6:41
